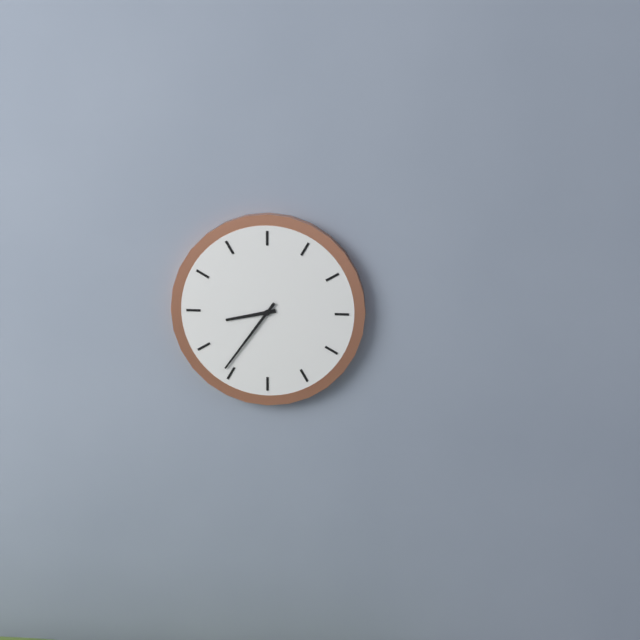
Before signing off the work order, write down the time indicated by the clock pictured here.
8:36
